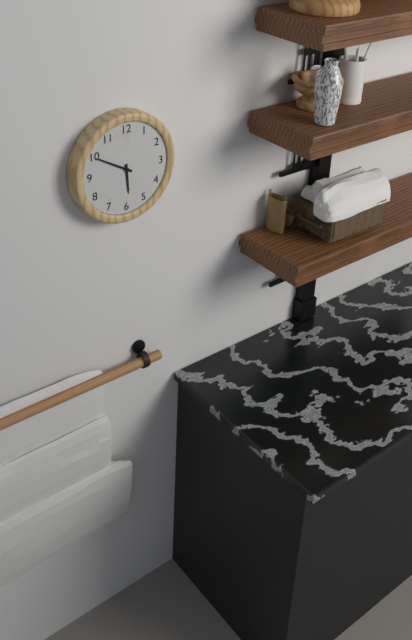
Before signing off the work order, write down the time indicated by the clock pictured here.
5:50
